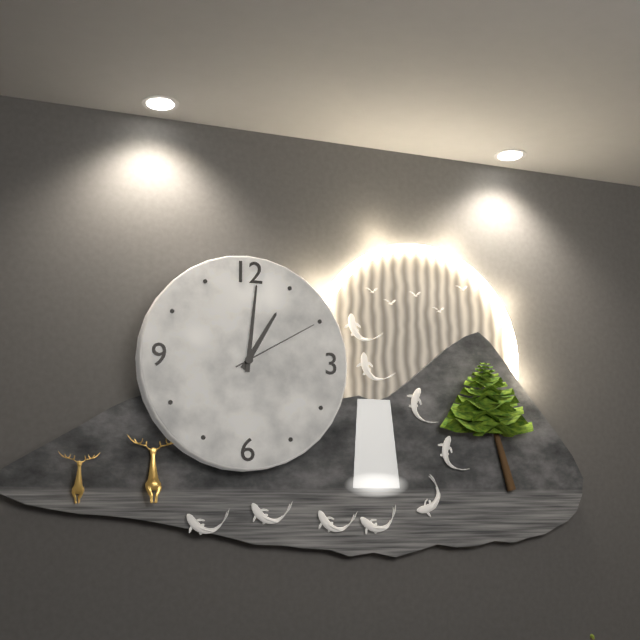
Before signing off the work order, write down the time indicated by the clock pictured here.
1:01:10
